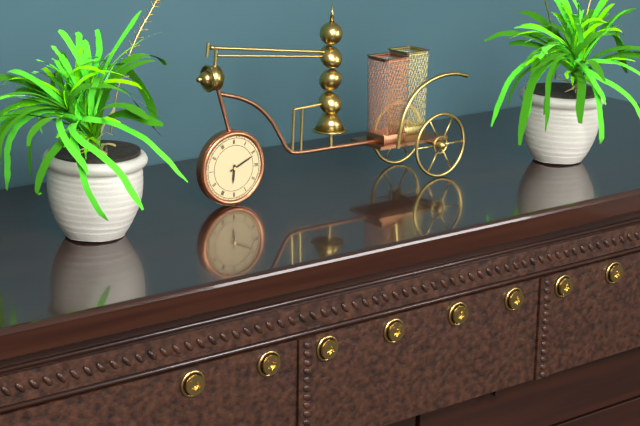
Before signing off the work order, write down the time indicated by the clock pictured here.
6:11
